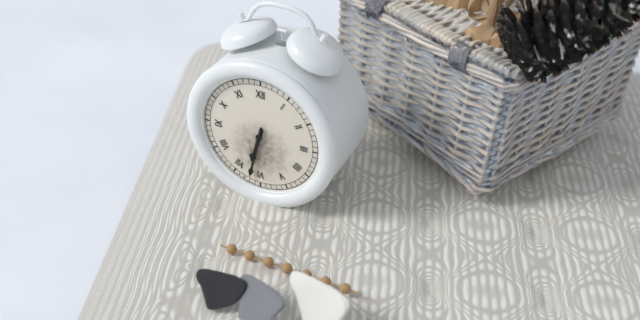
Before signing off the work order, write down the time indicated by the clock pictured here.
6:32
